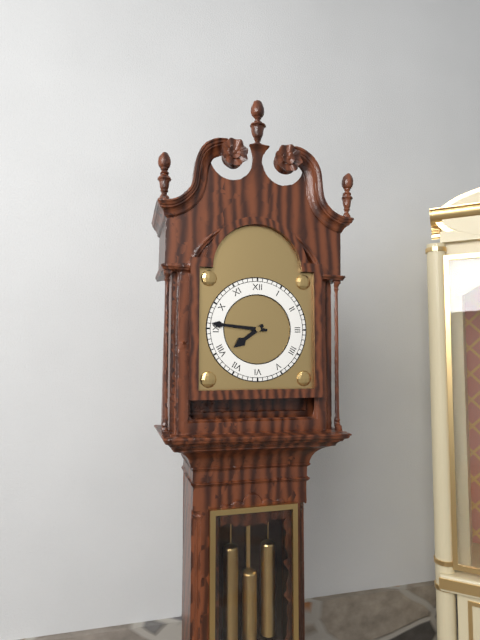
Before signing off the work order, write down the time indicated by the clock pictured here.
7:46
